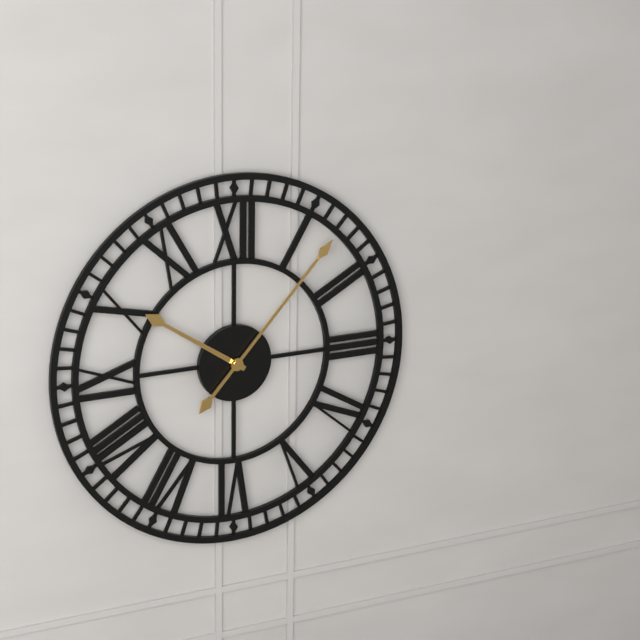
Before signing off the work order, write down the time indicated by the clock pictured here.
10:07
